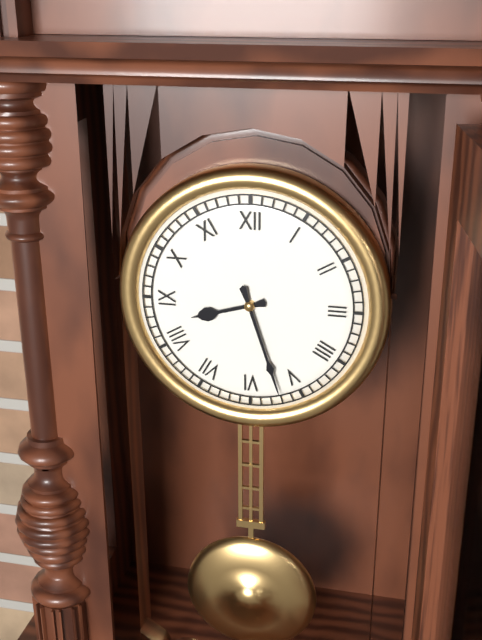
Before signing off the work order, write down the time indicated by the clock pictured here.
8:27
